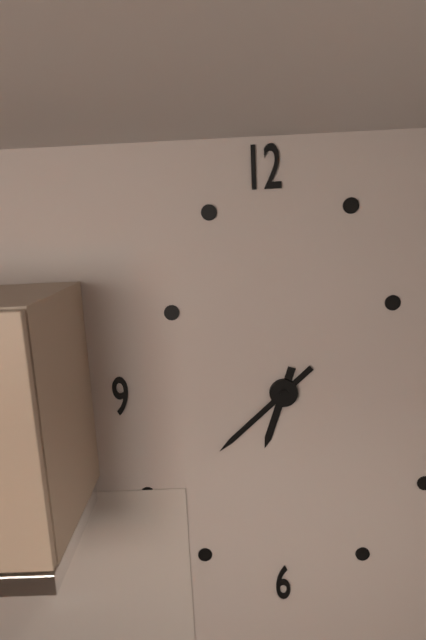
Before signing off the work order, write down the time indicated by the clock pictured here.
6:38
